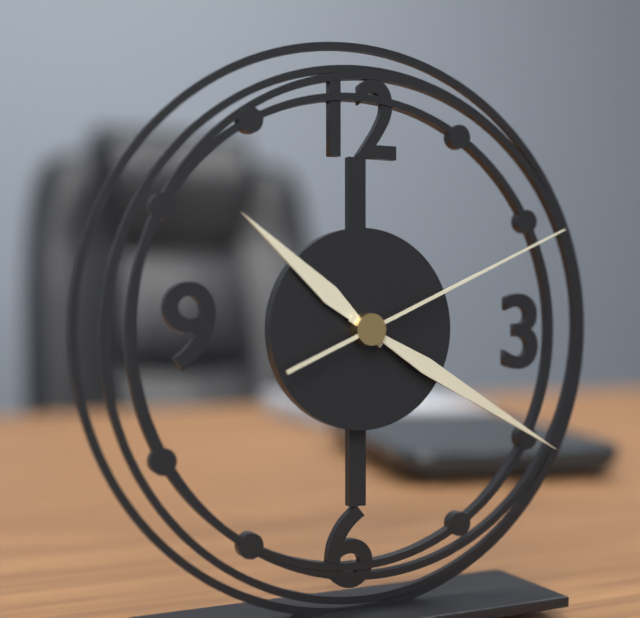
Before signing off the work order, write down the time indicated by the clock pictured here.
10:20:11
